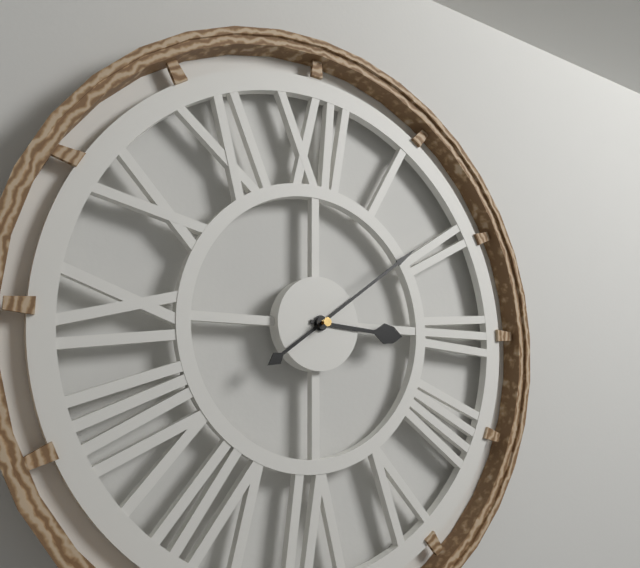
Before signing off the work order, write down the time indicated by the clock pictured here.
3:09
